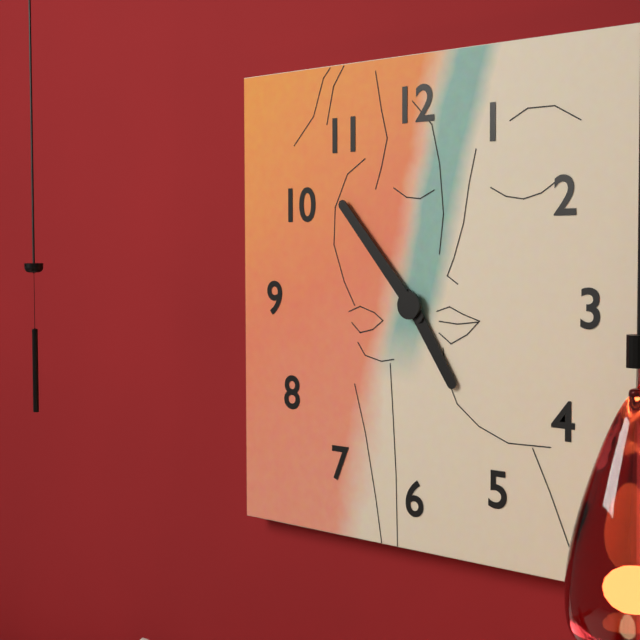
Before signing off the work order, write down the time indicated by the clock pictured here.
4:53
